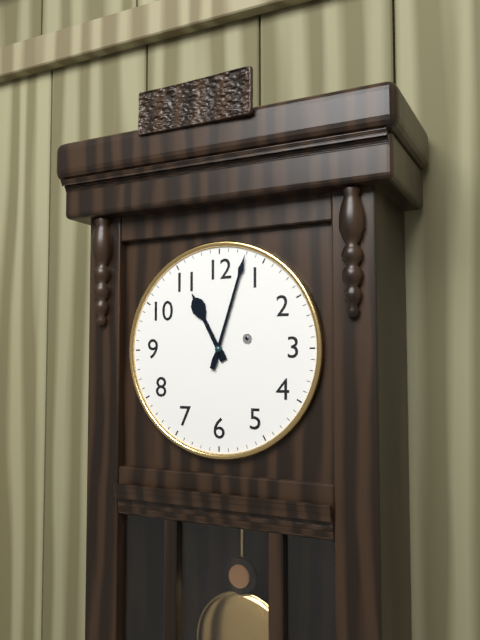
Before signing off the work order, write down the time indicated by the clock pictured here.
11:03
